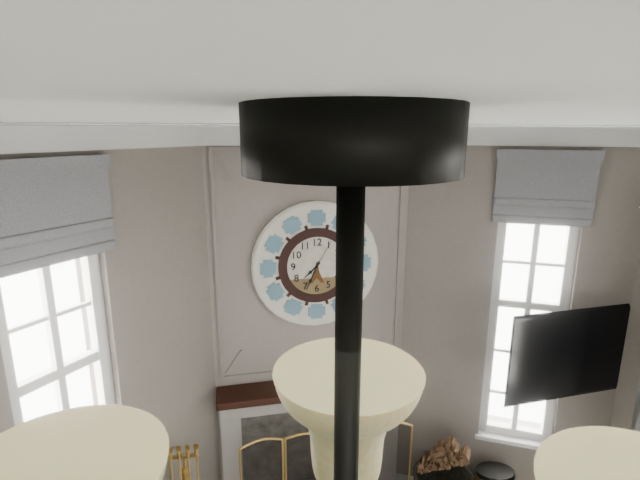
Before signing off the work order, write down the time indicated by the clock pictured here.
7:34
